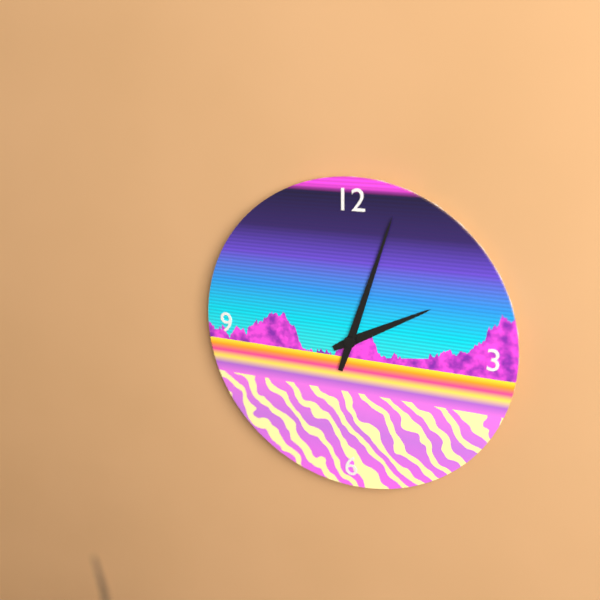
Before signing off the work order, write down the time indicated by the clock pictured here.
2:03
